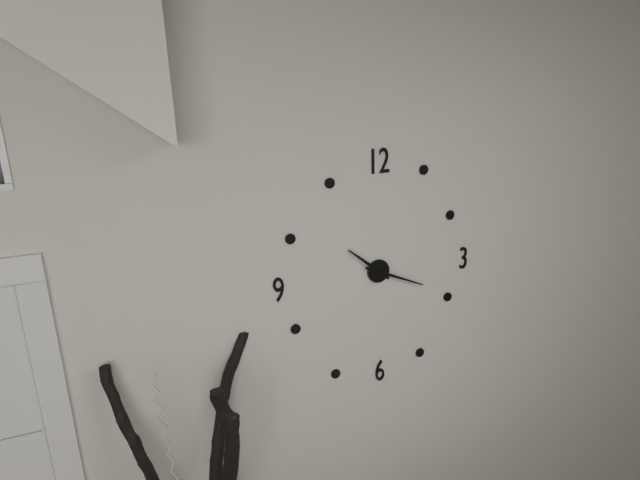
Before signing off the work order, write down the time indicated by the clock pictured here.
10:19
